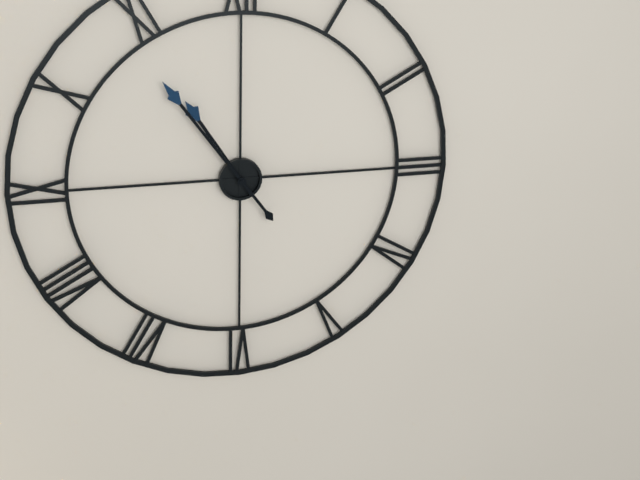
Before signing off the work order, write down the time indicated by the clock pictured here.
10:54
